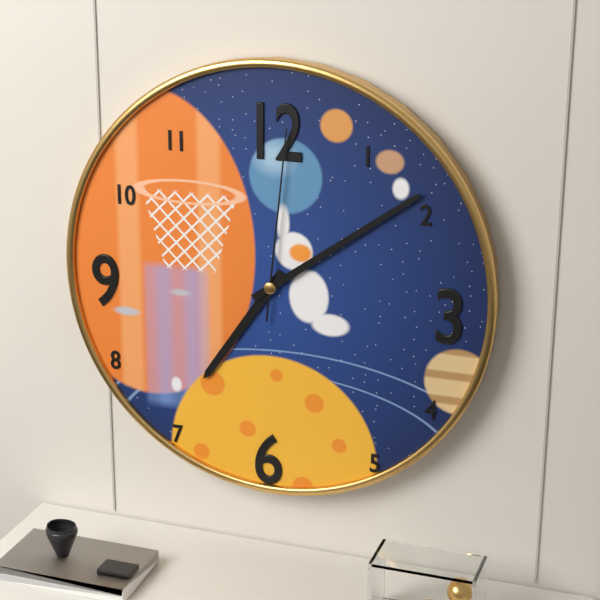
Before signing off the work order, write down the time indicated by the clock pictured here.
7:09:01
